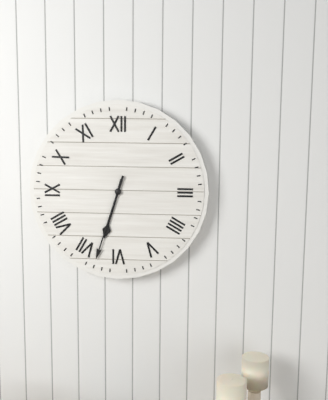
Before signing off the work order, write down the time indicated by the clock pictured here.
6:33
